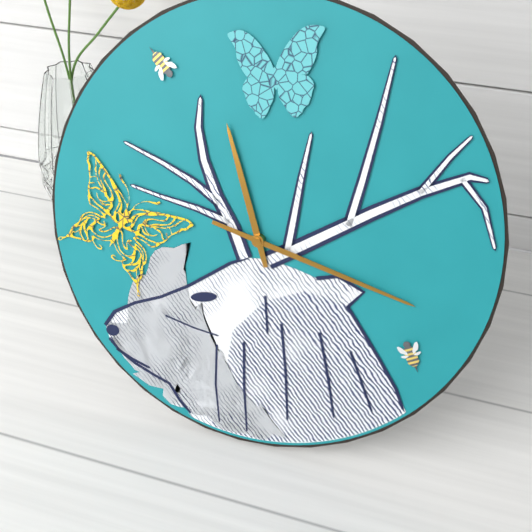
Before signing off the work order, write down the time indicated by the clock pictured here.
11:17
